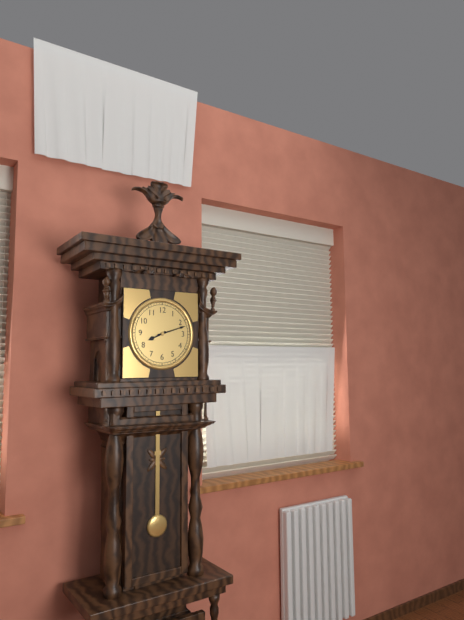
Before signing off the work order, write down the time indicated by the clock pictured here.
8:12
